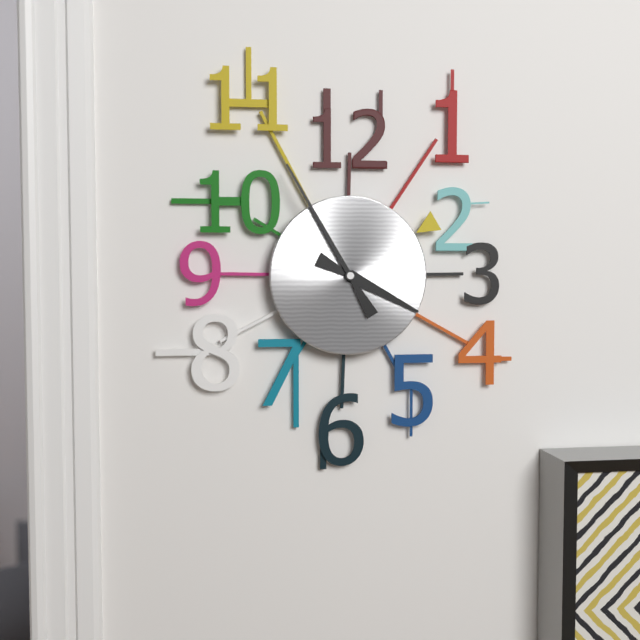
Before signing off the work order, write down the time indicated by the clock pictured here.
3:55
